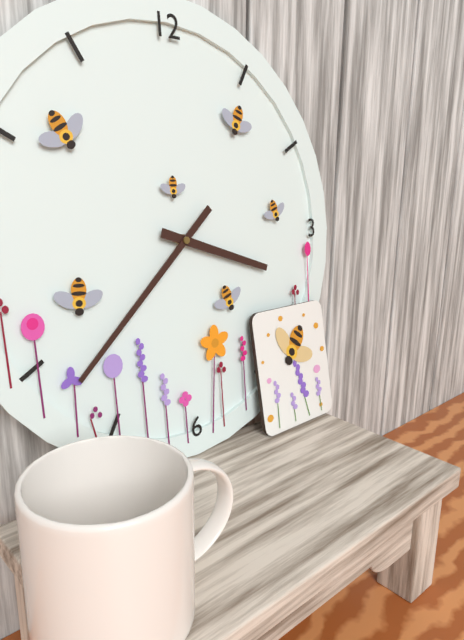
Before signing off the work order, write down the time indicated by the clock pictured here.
3:38
